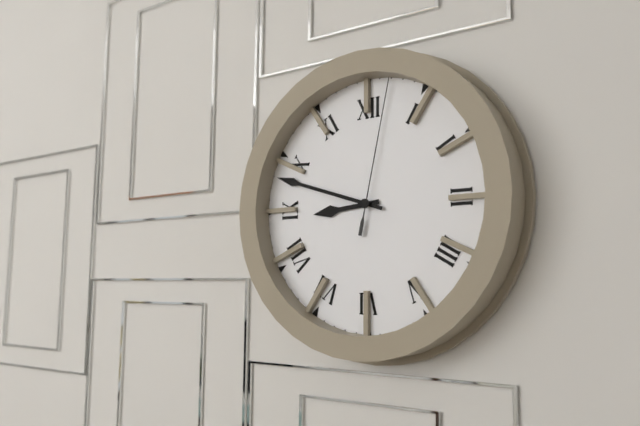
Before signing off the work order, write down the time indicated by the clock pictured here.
8:48:02
